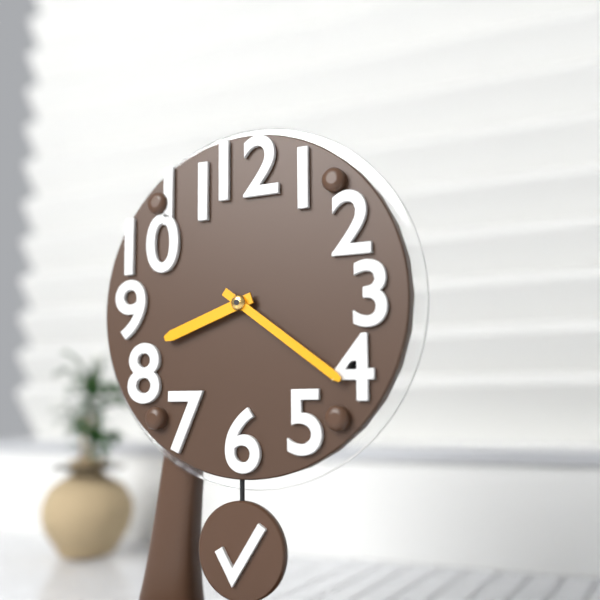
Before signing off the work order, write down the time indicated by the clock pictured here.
8:21
